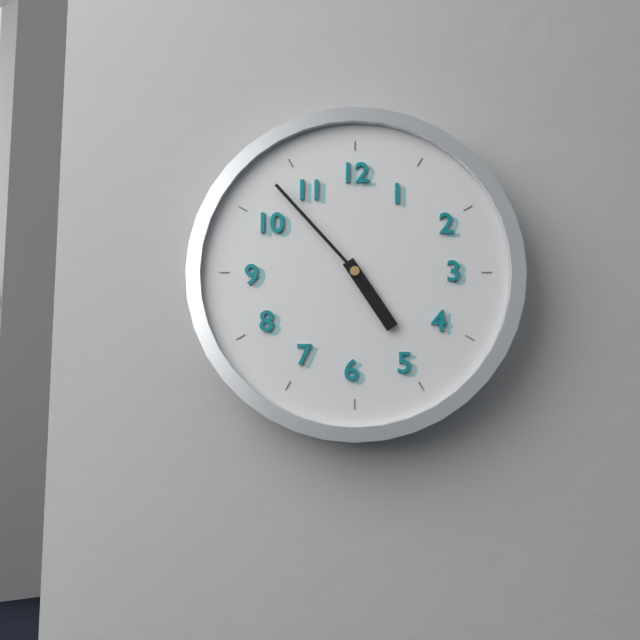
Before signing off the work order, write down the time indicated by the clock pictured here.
4:53
